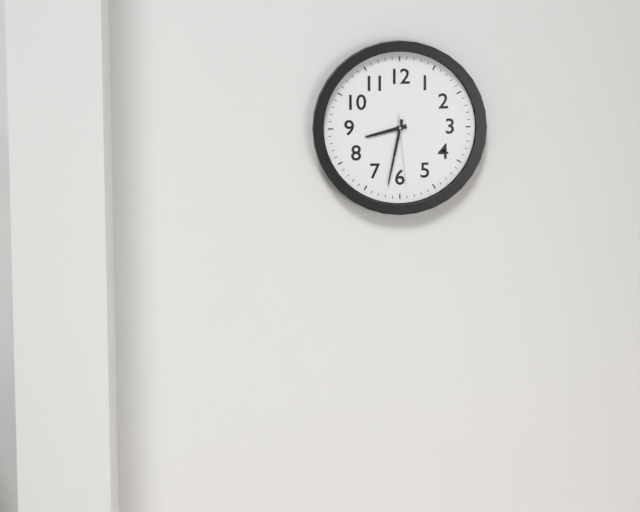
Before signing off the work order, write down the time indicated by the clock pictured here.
8:32:29
